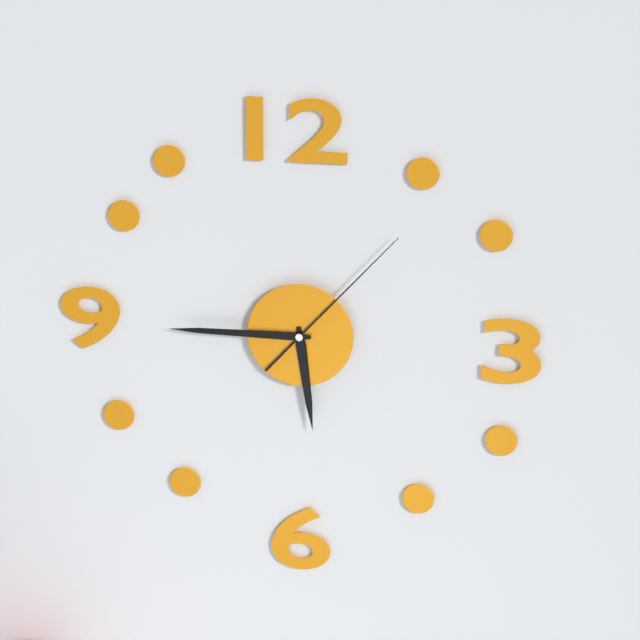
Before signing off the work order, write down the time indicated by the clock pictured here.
5:45:07
